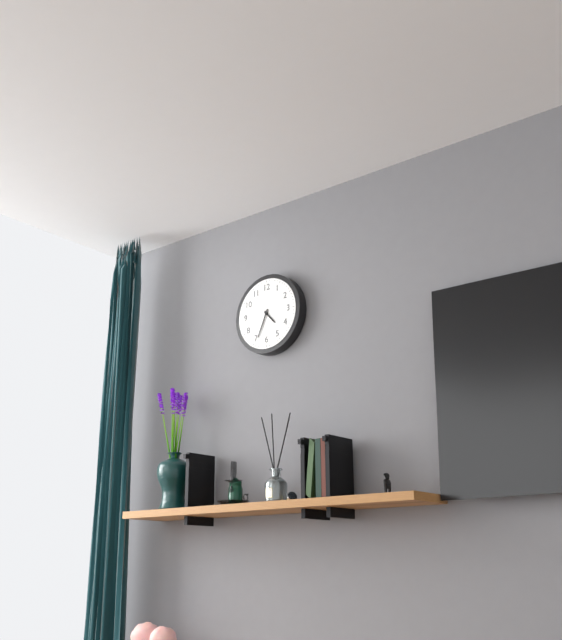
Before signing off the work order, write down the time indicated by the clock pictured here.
4:34
